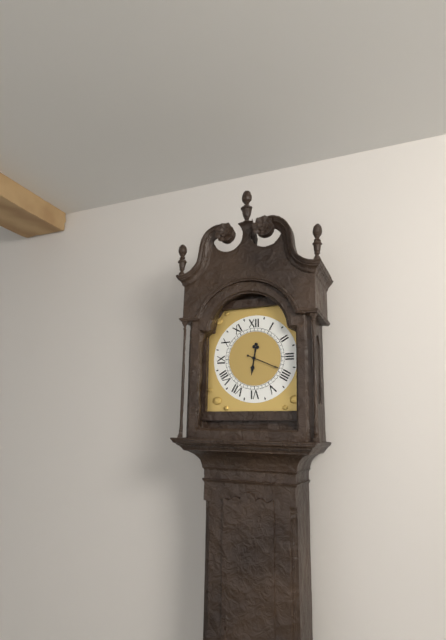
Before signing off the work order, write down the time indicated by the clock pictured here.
6:19
